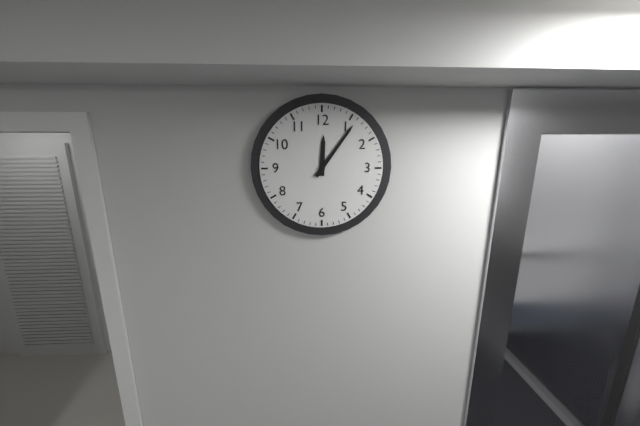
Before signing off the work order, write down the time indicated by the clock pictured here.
12:06
